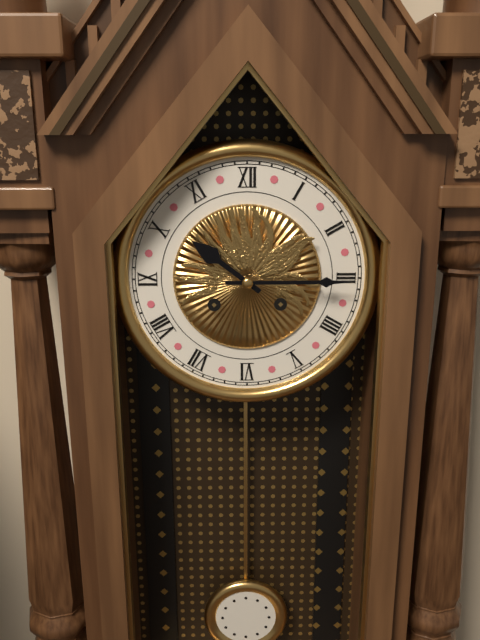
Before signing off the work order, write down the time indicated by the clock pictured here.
10:15
